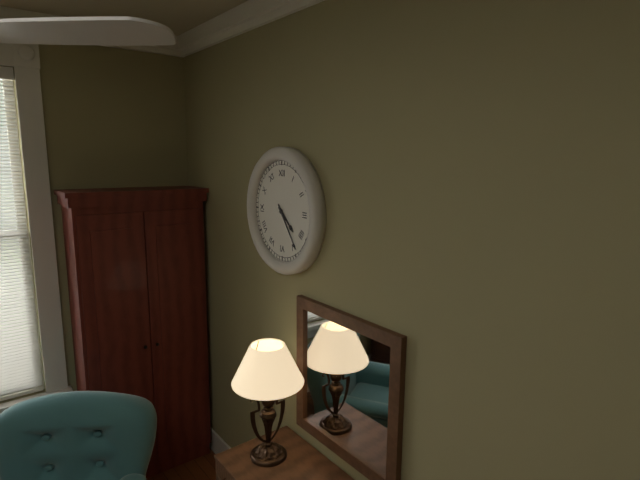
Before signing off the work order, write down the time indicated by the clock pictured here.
4:24
